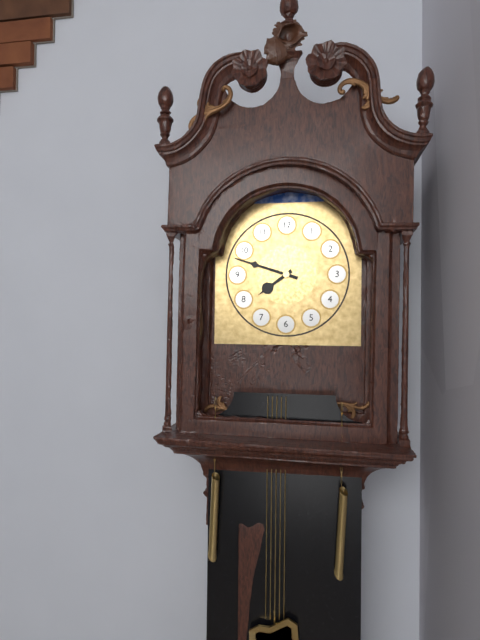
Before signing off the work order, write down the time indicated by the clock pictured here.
7:48
